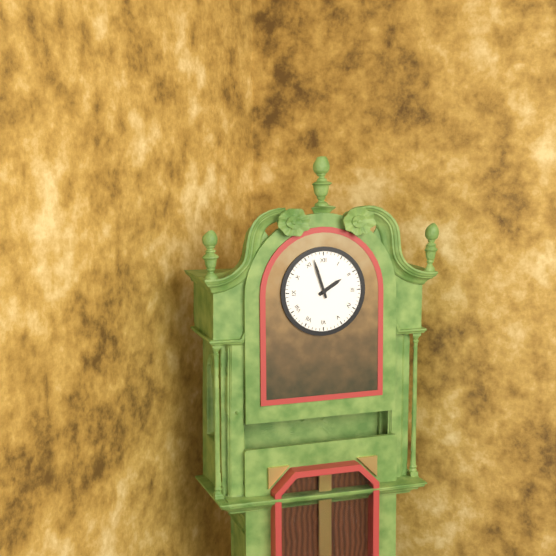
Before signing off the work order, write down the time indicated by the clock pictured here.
1:57
